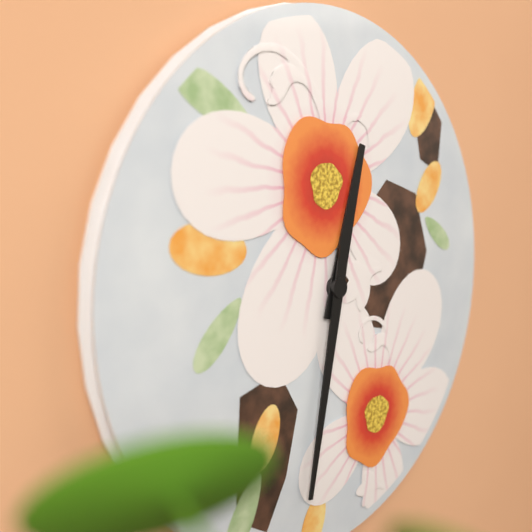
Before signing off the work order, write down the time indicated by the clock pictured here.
12:32
